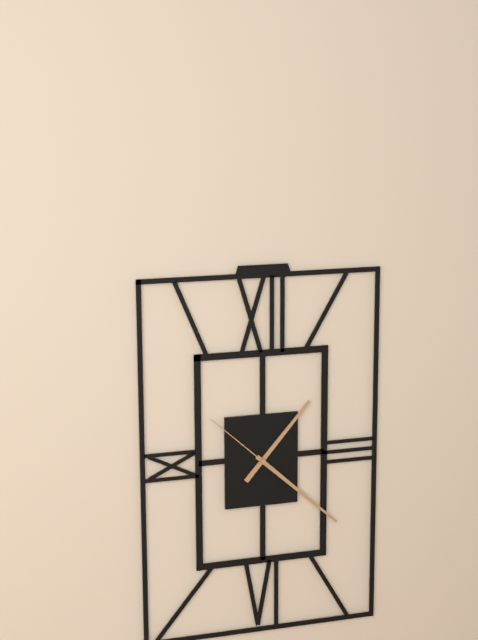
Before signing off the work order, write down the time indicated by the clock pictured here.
1:22:52
